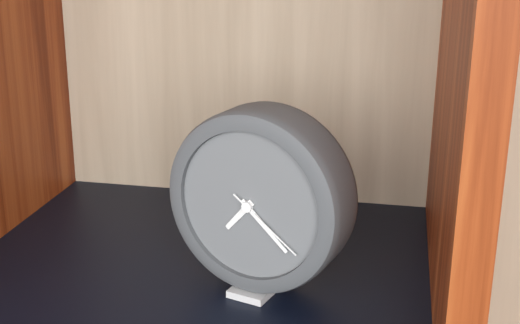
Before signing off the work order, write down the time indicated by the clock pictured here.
7:22:21
